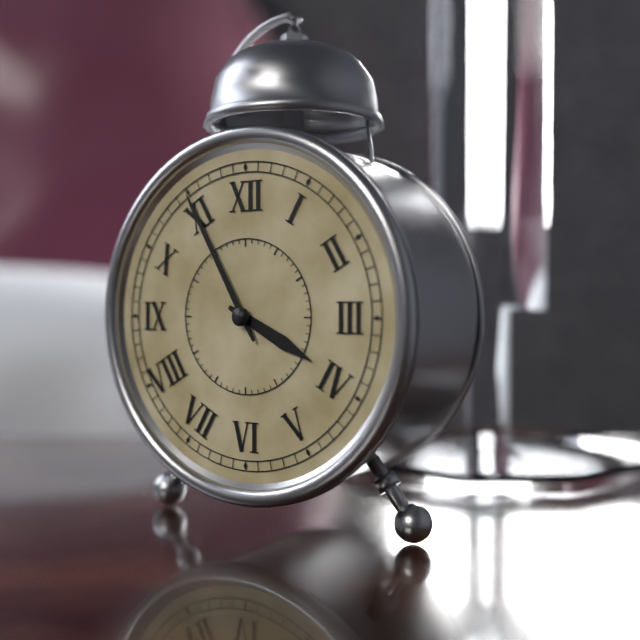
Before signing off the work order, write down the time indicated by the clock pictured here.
3:55
